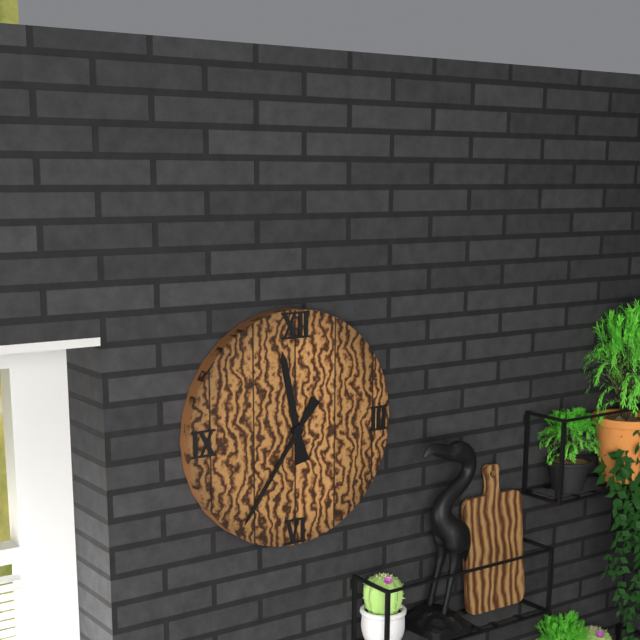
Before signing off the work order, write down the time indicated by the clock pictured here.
11:36
